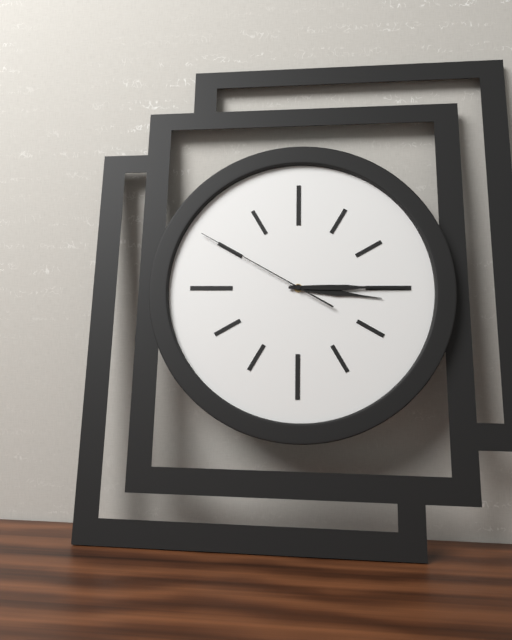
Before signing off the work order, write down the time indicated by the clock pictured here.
3:15:50
